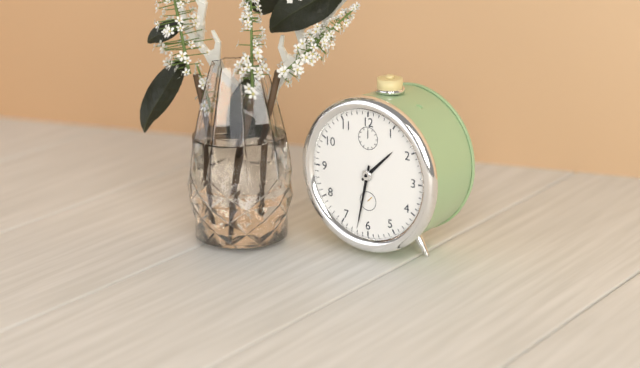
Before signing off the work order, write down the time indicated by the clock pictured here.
1:32
